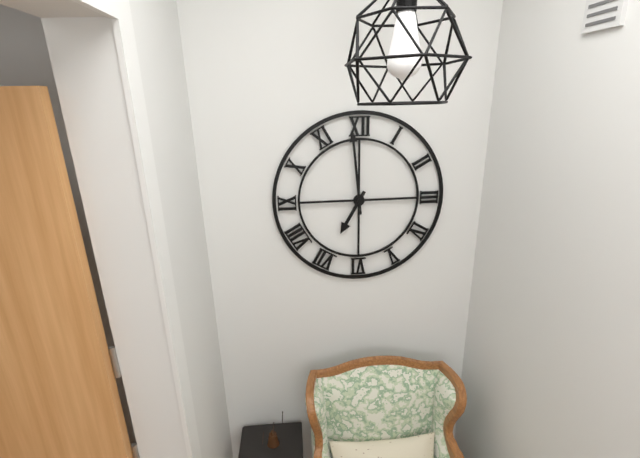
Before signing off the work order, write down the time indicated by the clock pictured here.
6:59
